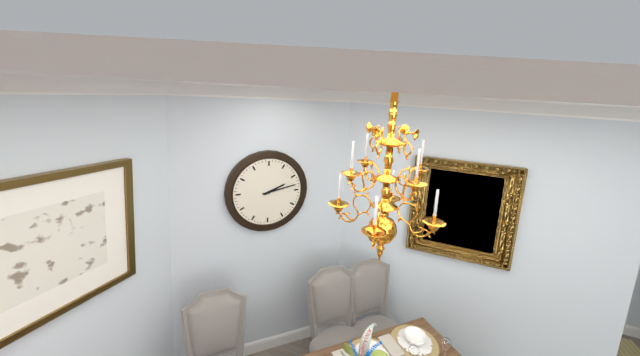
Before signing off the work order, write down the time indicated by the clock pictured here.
2:13
